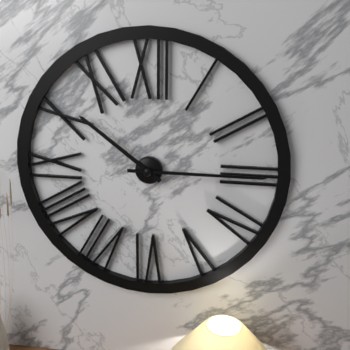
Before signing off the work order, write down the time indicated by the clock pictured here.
10:15
